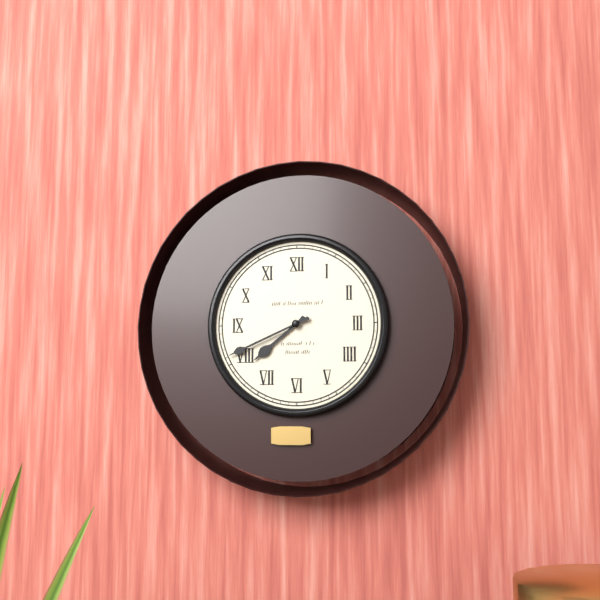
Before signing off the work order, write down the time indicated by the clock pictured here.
7:41
